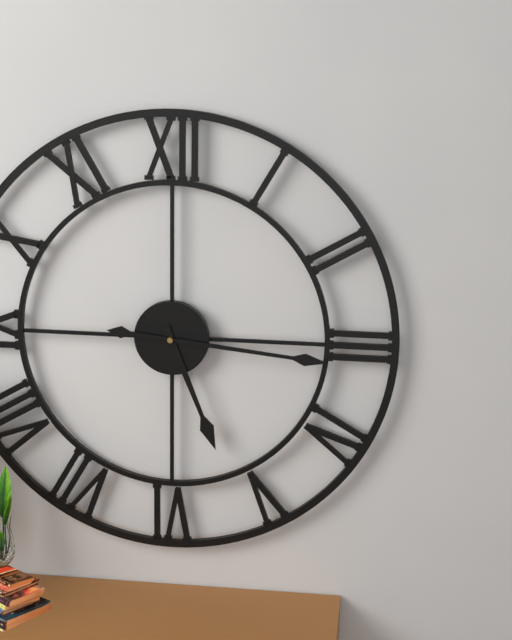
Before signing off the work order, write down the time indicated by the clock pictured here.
5:16
